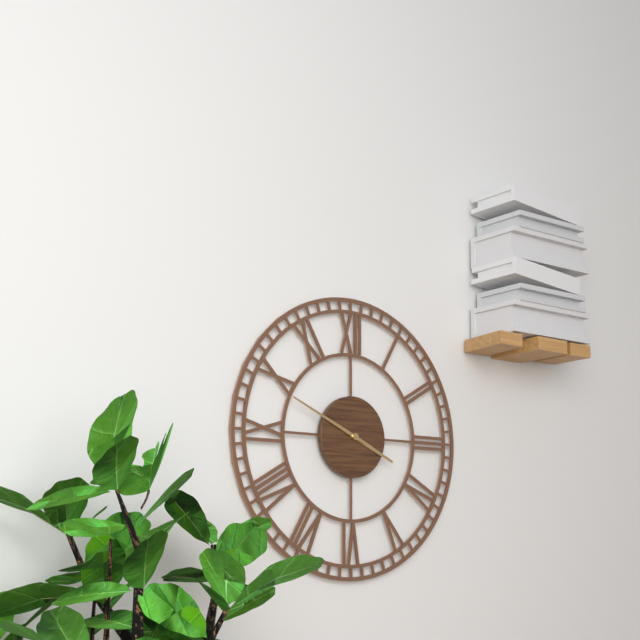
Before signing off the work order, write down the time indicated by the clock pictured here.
3:49
